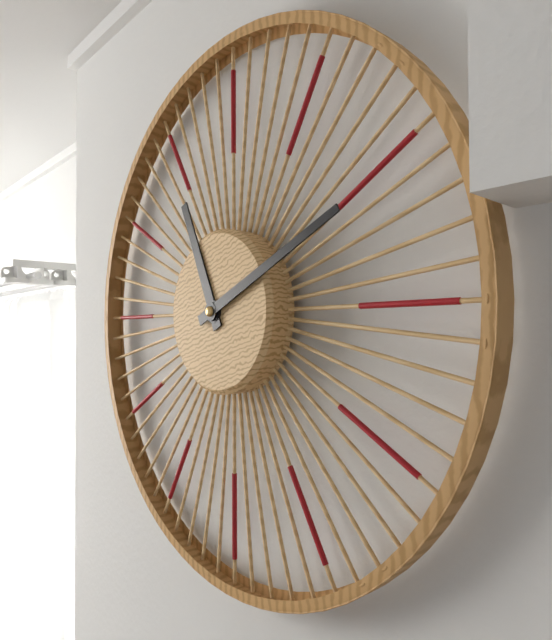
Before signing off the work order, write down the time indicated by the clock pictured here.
11:11
